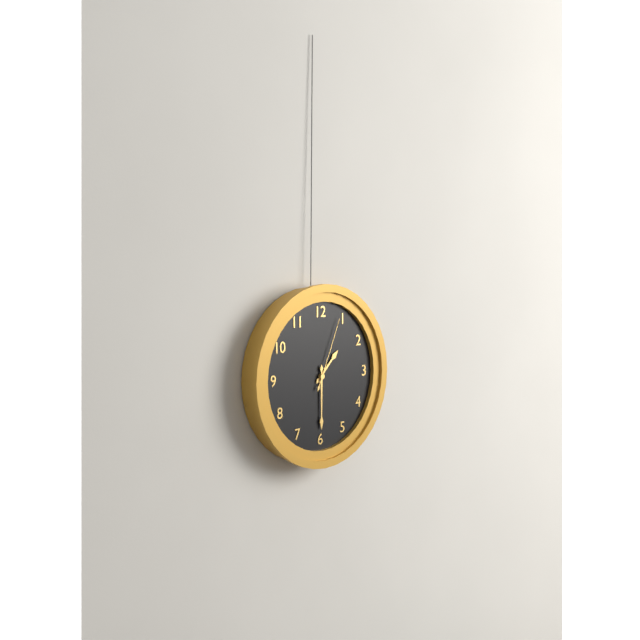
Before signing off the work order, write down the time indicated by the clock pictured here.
1:30:04
